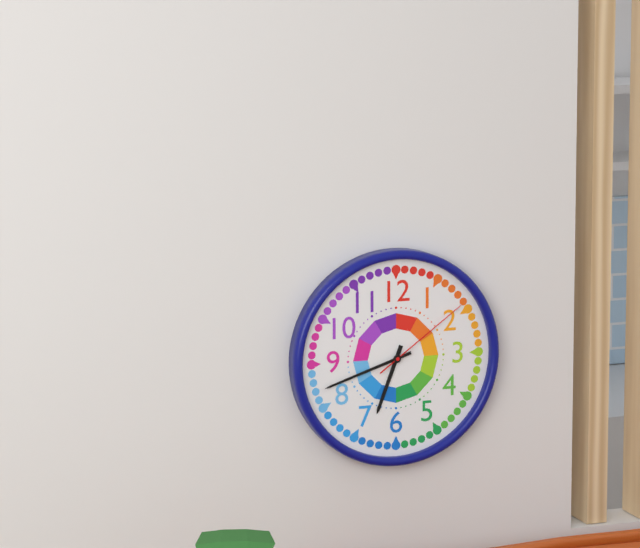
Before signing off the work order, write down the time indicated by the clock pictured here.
6:42:09
